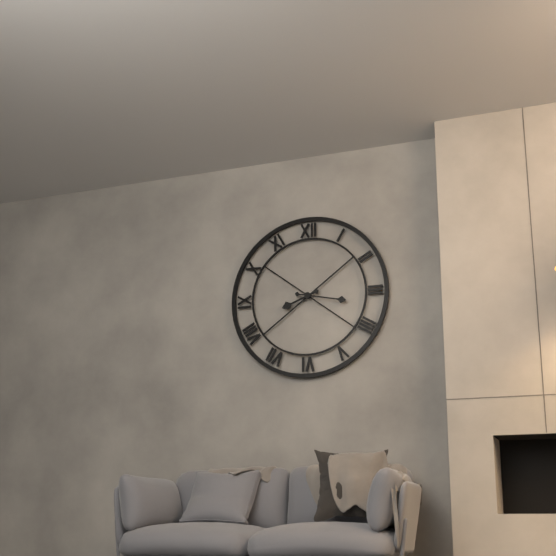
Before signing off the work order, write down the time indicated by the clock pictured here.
8:17
